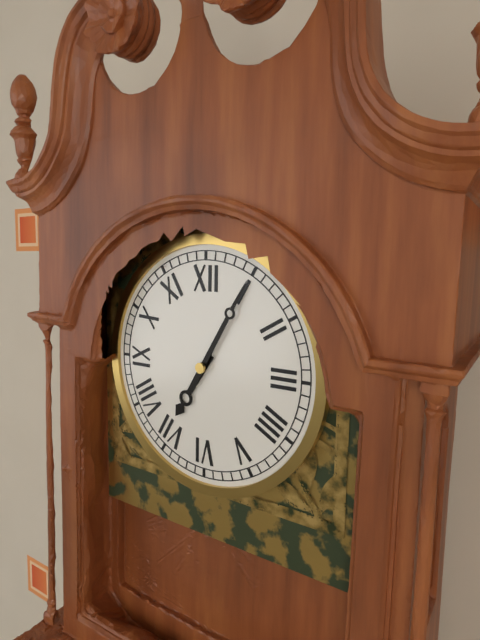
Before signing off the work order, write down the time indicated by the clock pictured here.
7:05
